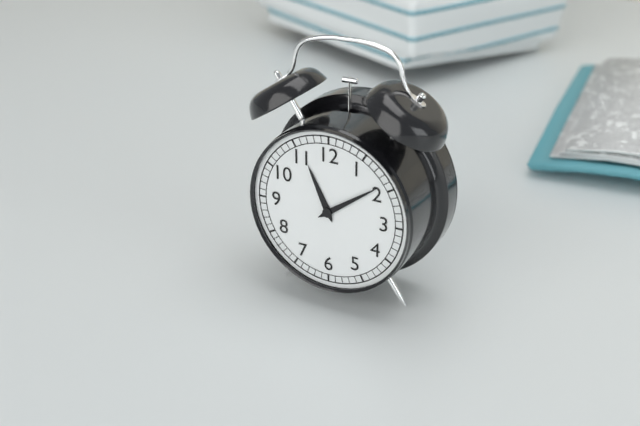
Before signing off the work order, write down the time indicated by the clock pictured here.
11:09
